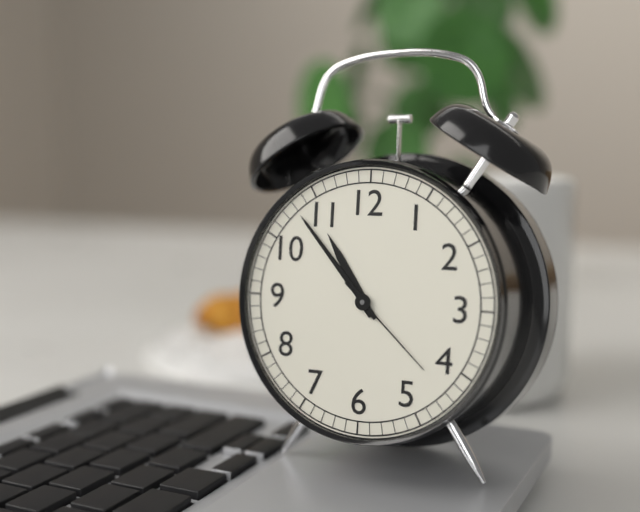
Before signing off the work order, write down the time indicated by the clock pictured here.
10:53:22
